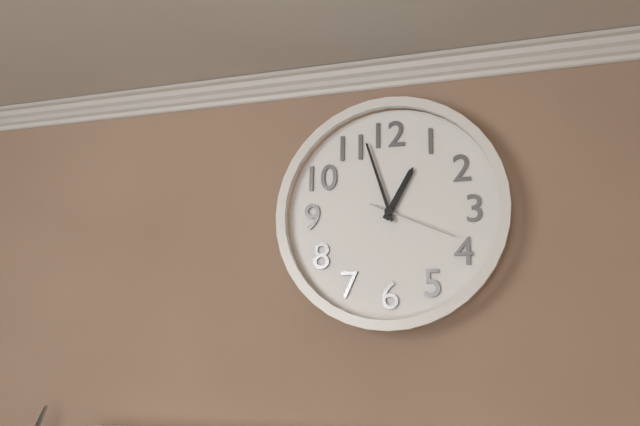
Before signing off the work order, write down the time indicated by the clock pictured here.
12:57:19
